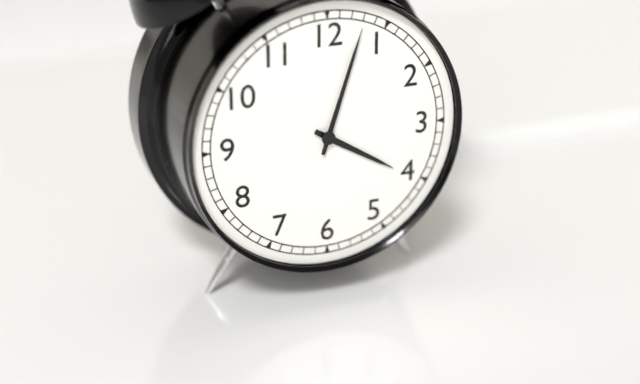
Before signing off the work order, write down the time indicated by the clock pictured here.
4:03
